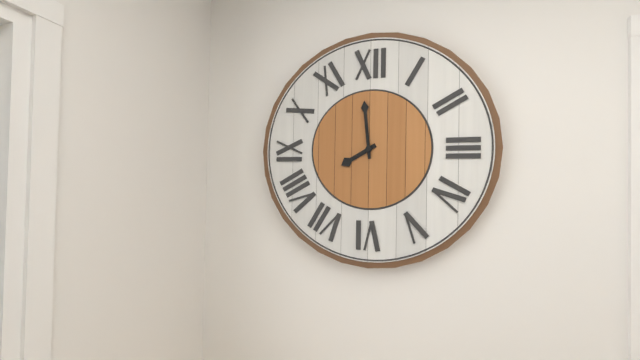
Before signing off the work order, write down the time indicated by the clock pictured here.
7:59
